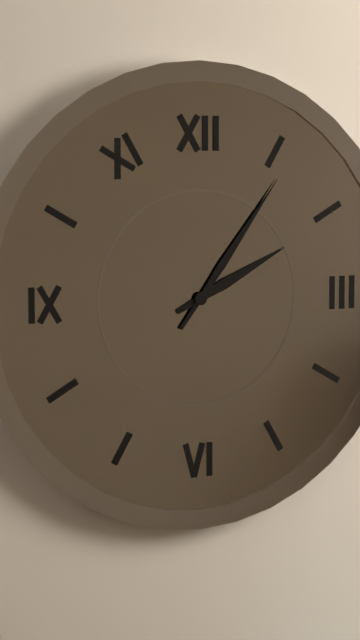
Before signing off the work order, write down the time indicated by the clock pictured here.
2:06
